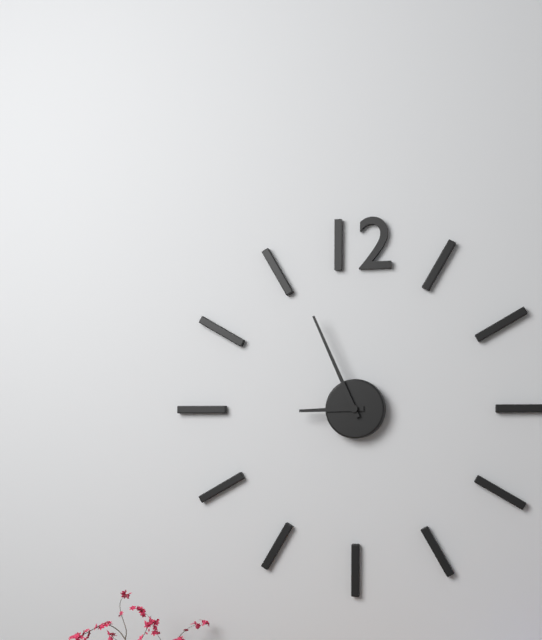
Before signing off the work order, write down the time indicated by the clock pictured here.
8:56
